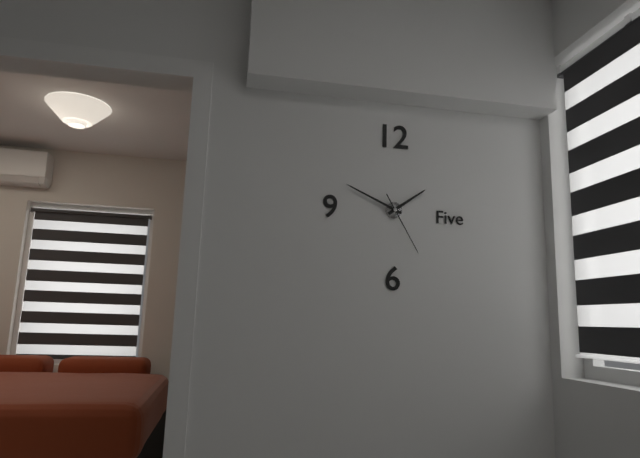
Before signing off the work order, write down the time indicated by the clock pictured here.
1:49:25
